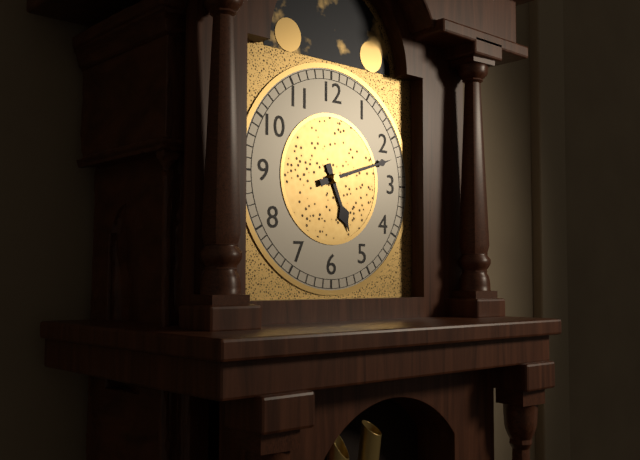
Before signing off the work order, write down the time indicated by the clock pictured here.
5:12
